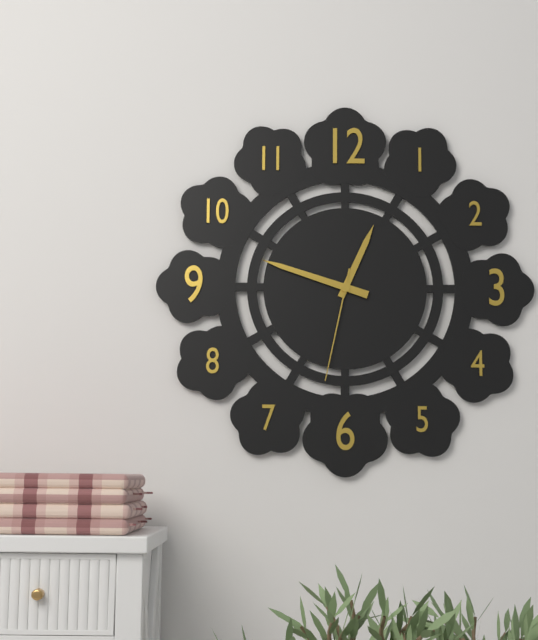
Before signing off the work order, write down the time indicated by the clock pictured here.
12:48:32
